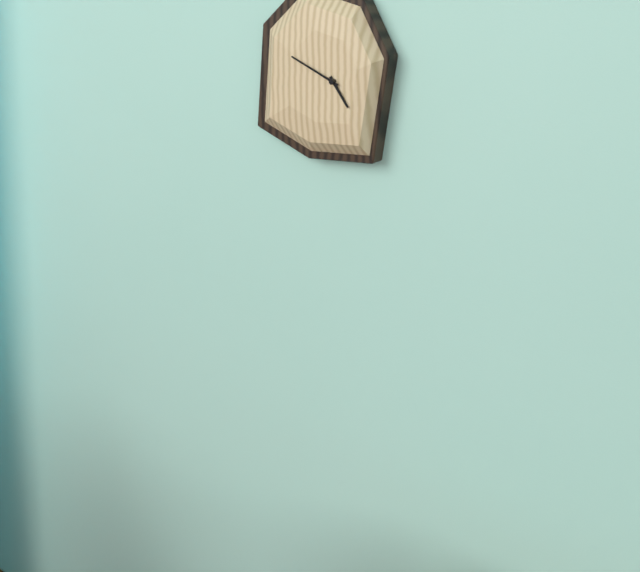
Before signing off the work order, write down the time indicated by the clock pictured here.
4:49
